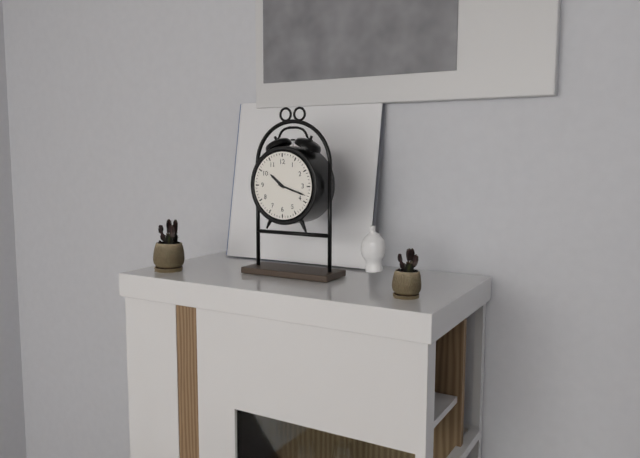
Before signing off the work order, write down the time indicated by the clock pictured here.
10:18
